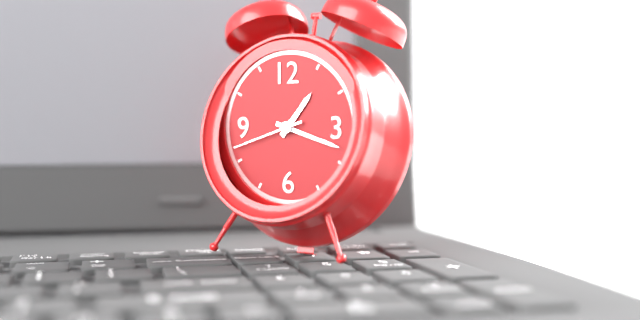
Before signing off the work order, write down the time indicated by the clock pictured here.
1:18:42
